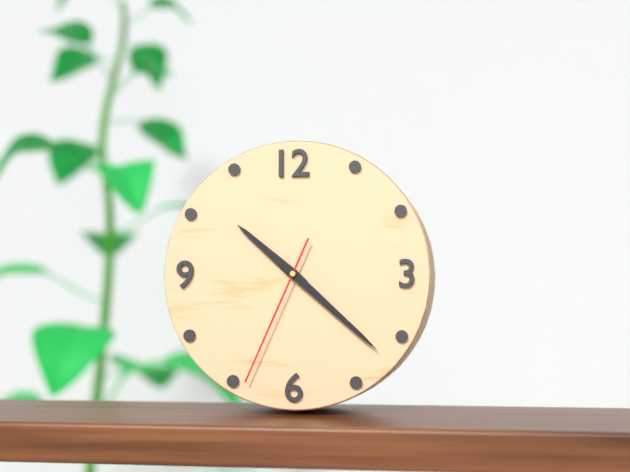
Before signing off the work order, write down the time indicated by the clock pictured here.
10:22:34
